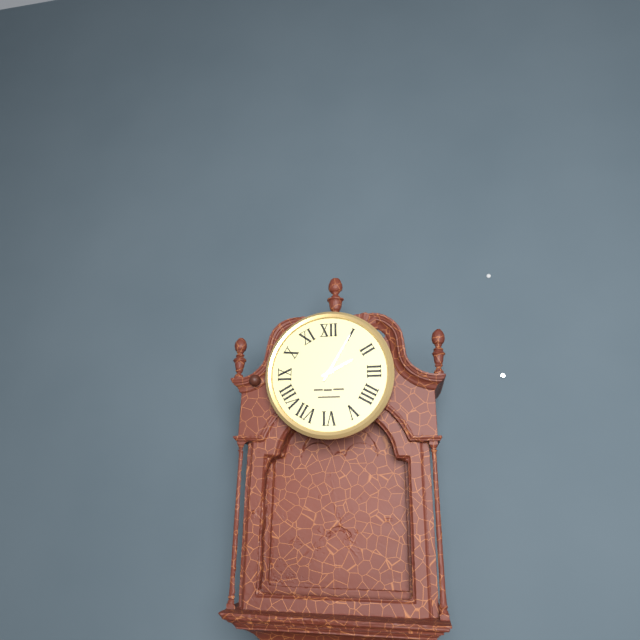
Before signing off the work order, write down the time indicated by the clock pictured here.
2:05
